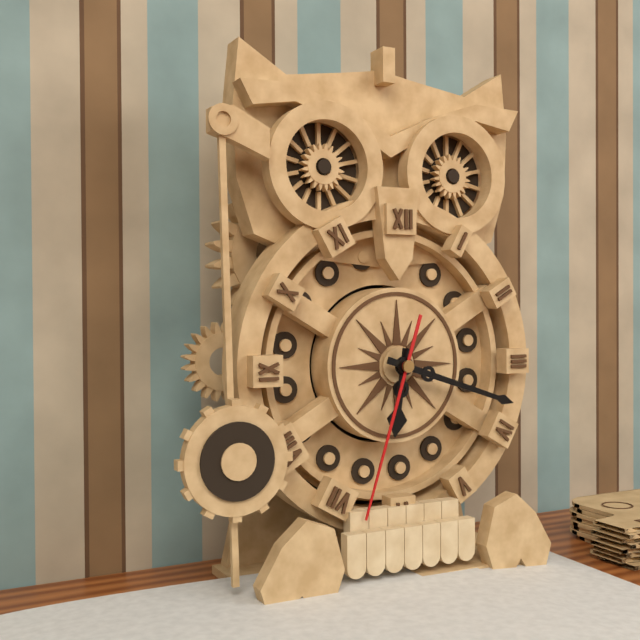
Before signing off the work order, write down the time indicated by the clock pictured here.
6:18:33
